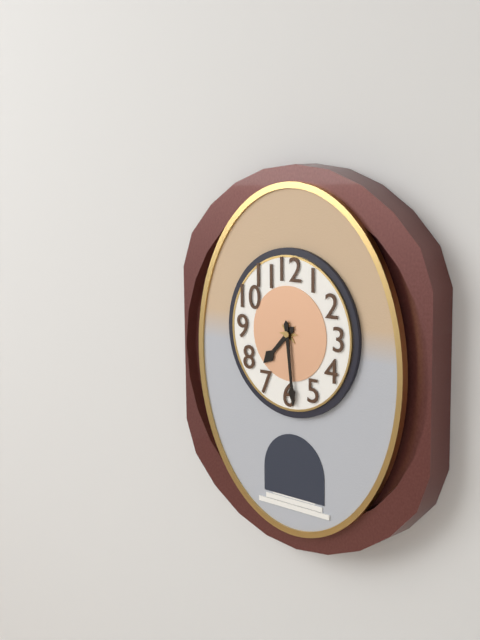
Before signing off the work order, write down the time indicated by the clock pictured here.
7:29
